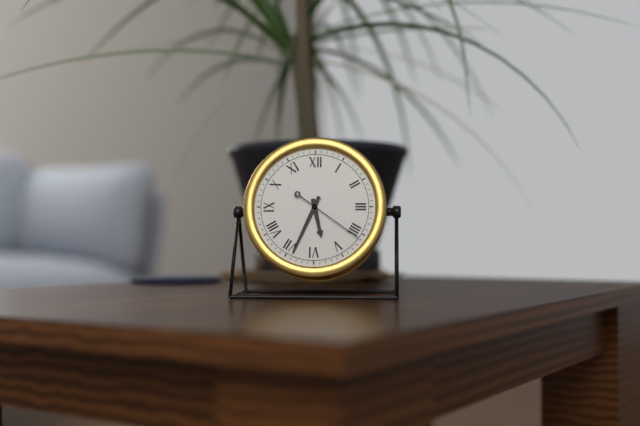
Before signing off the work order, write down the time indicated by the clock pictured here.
5:34:21
